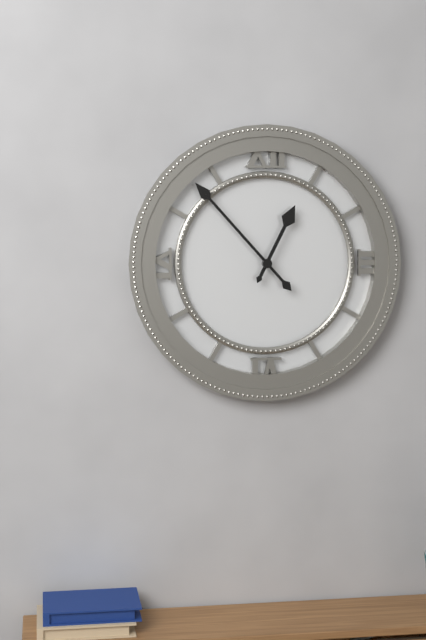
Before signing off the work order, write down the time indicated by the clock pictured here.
12:53
